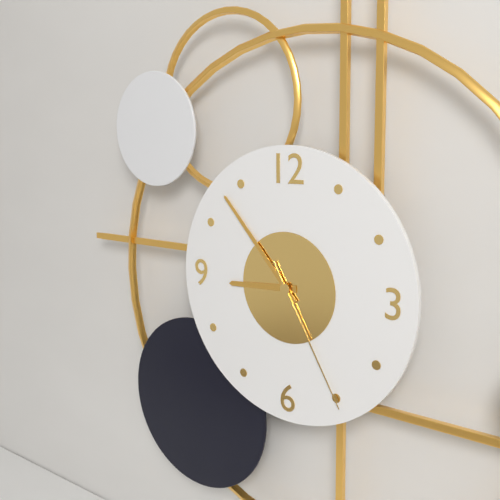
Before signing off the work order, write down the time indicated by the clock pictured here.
8:53:25
